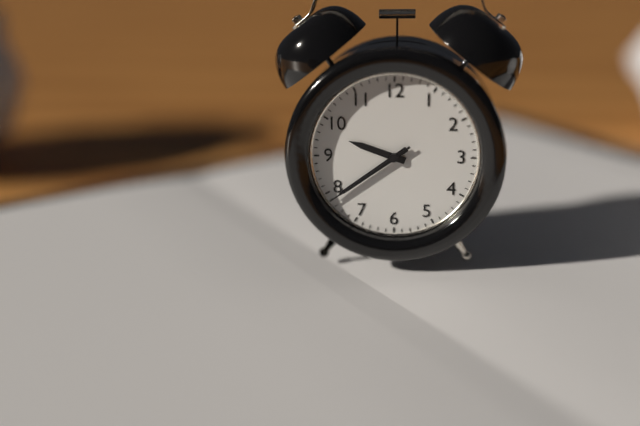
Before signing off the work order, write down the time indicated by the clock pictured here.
9:39:39
